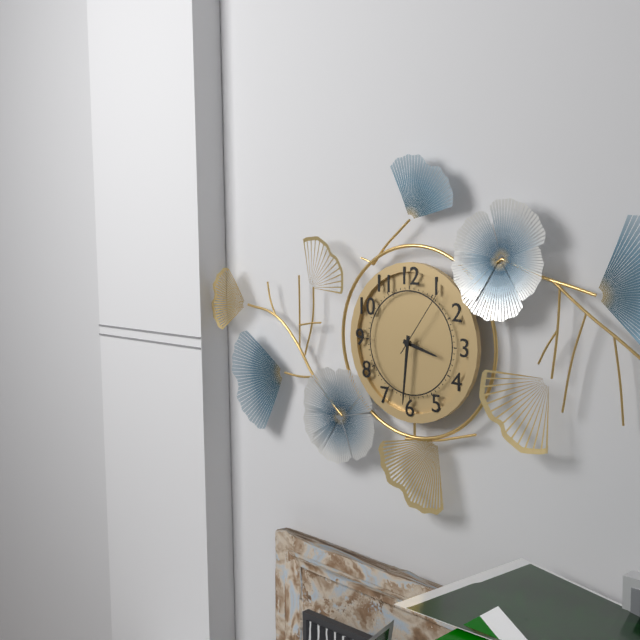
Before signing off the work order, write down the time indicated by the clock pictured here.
3:31:06
